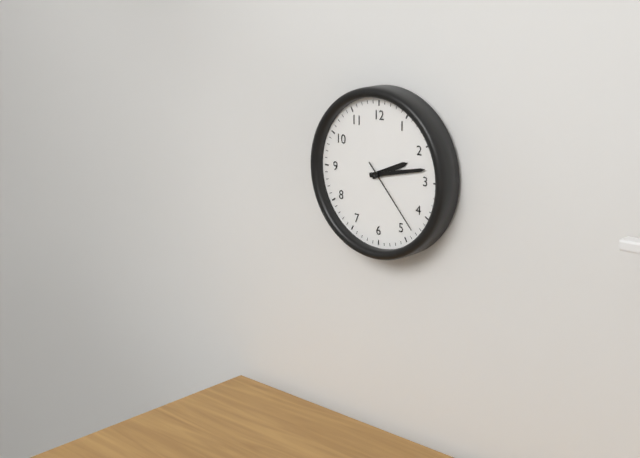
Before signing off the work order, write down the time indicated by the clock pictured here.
2:13:23
